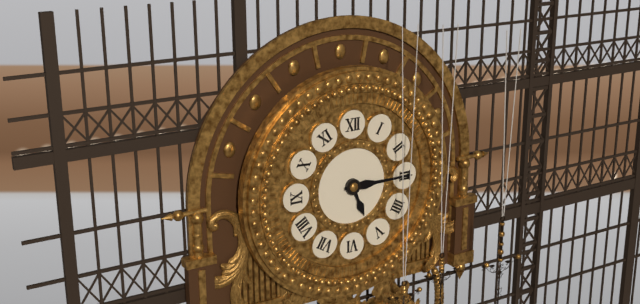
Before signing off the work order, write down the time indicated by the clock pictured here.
5:15
